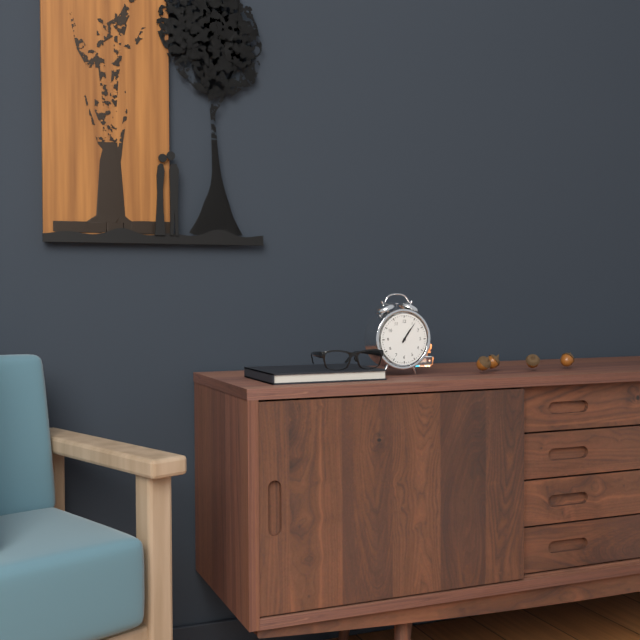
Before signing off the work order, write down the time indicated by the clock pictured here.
1:06
